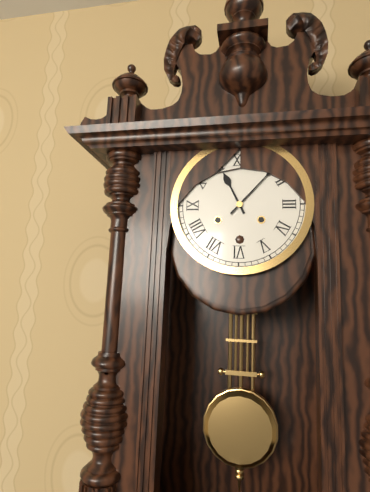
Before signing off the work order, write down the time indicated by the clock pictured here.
11:07
